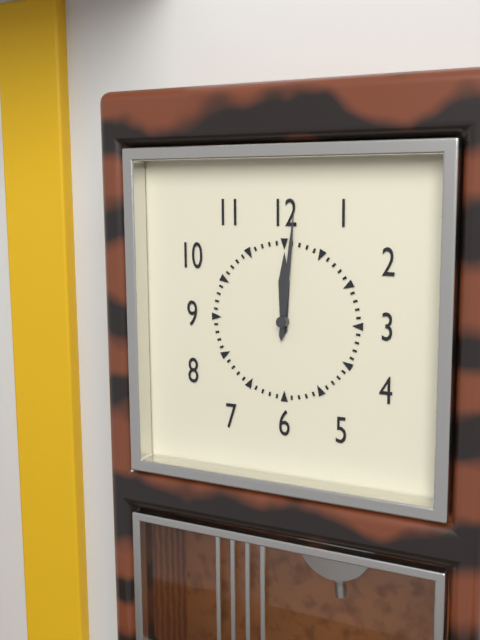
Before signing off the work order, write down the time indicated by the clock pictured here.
12:01
